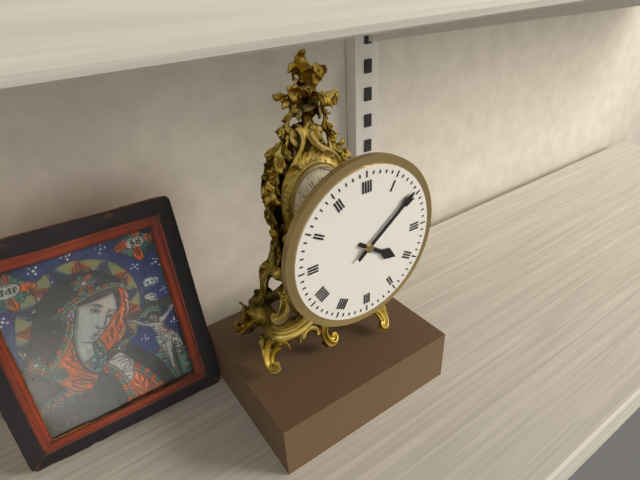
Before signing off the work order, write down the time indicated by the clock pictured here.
4:09
